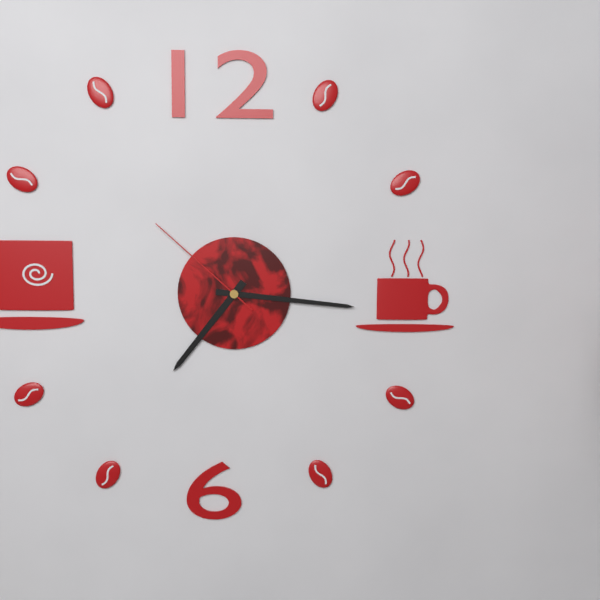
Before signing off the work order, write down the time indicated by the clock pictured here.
7:16:52
